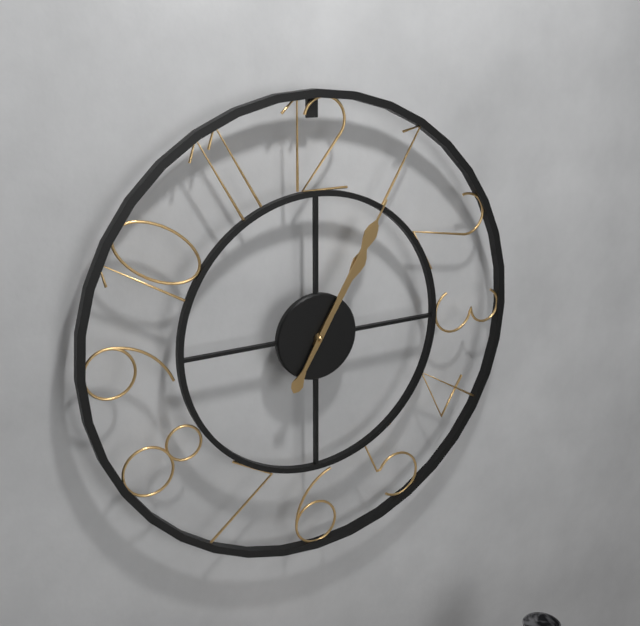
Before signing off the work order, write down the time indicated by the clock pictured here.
1:05
